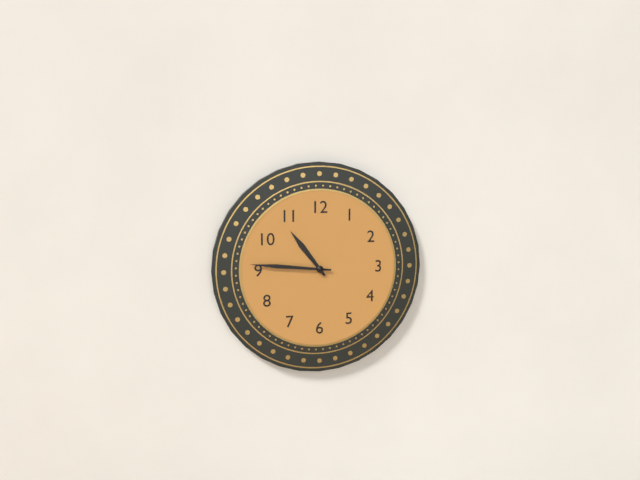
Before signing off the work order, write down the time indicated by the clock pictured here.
10:46
